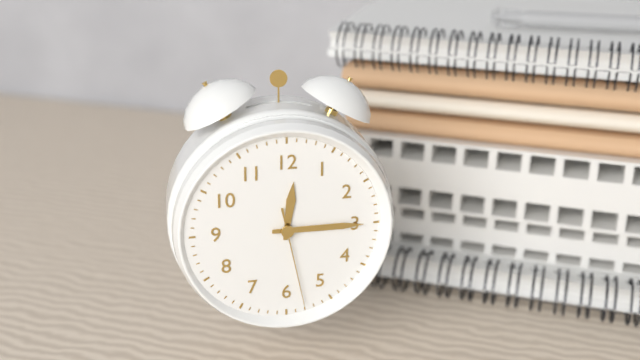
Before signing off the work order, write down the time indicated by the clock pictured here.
12:15:28
